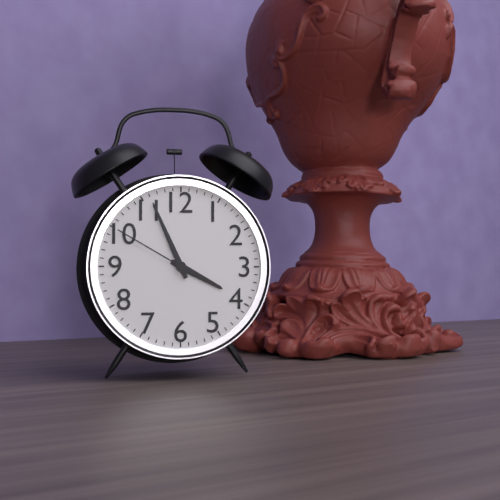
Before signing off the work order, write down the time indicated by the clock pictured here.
3:56:50
